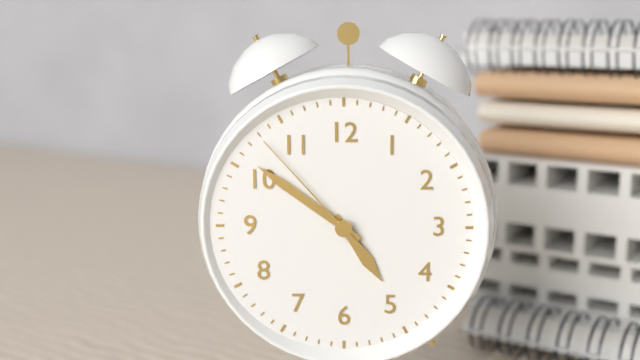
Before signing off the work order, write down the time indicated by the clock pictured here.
4:51:53
